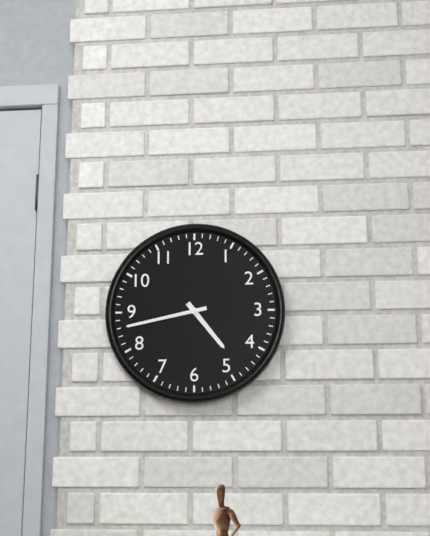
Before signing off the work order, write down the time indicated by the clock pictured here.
4:43
